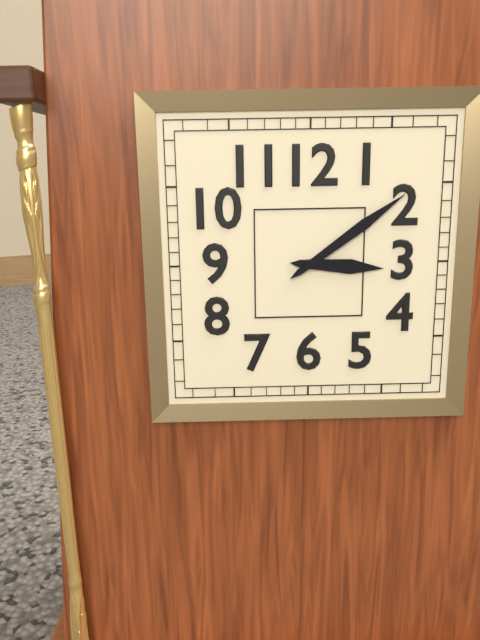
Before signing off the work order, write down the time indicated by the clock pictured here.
3:09
